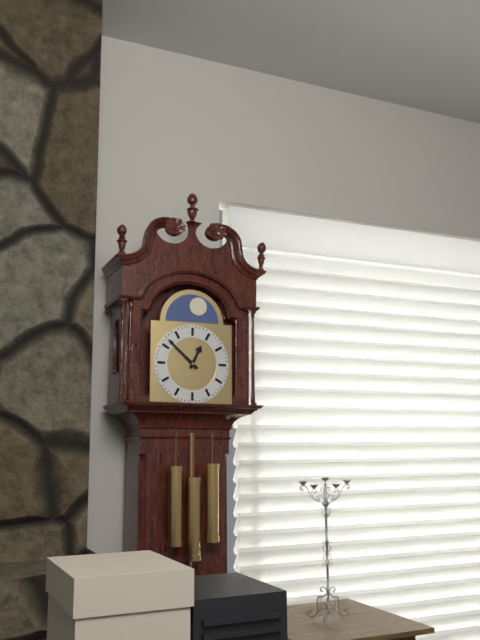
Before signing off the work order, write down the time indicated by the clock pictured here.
12:52
